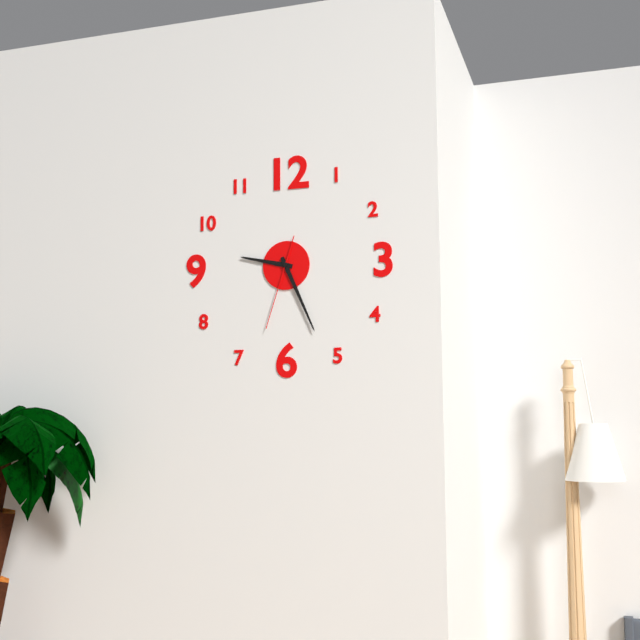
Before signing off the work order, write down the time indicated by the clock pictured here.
9:26:33
